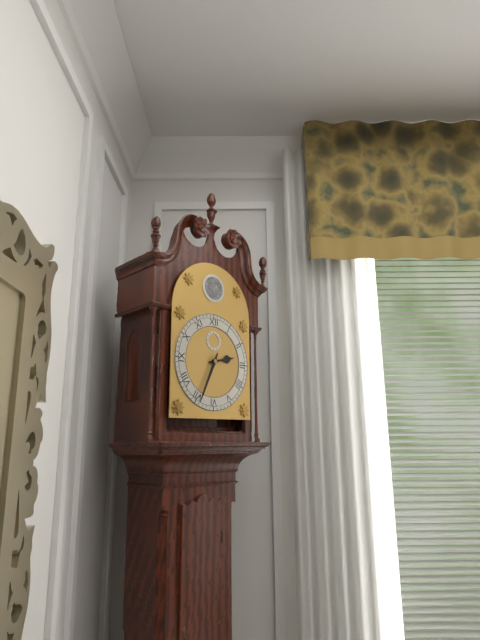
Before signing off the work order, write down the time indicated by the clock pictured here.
2:34
